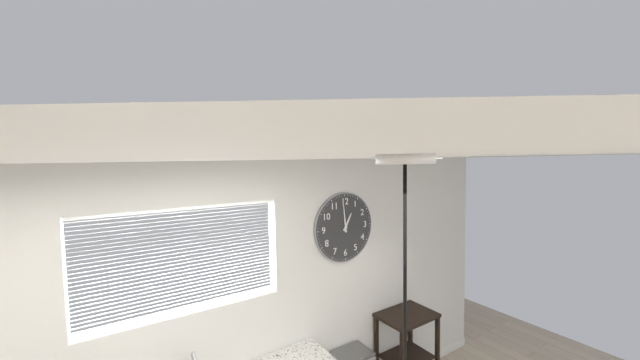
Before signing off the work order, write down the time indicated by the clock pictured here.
12:59
